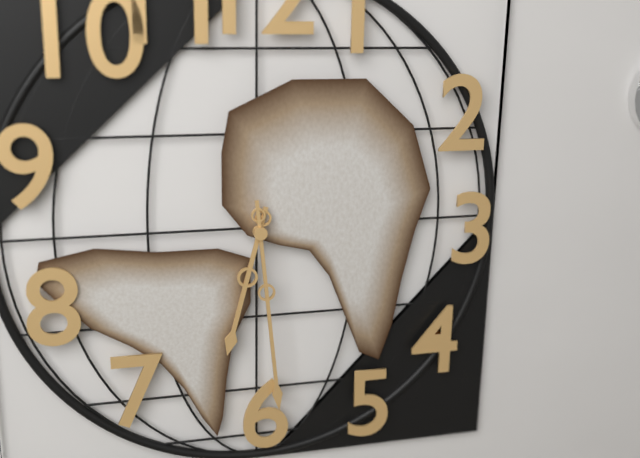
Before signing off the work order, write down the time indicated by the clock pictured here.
6:29
